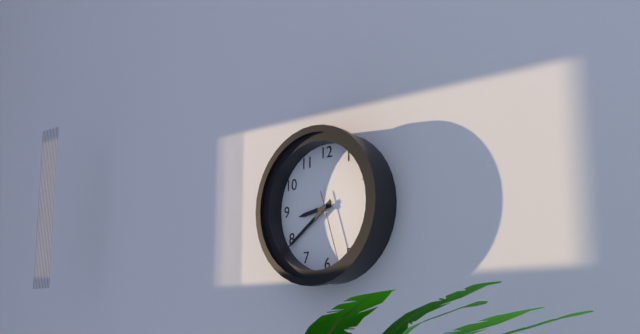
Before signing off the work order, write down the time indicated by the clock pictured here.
8:39:27
